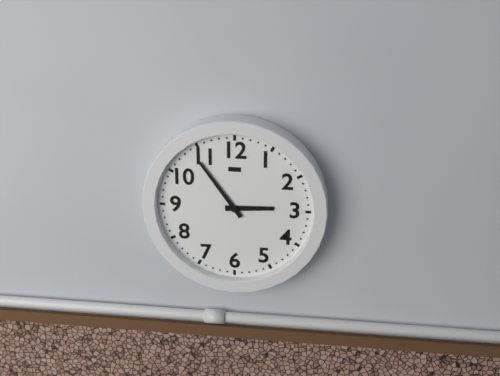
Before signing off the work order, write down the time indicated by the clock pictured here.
2:54
